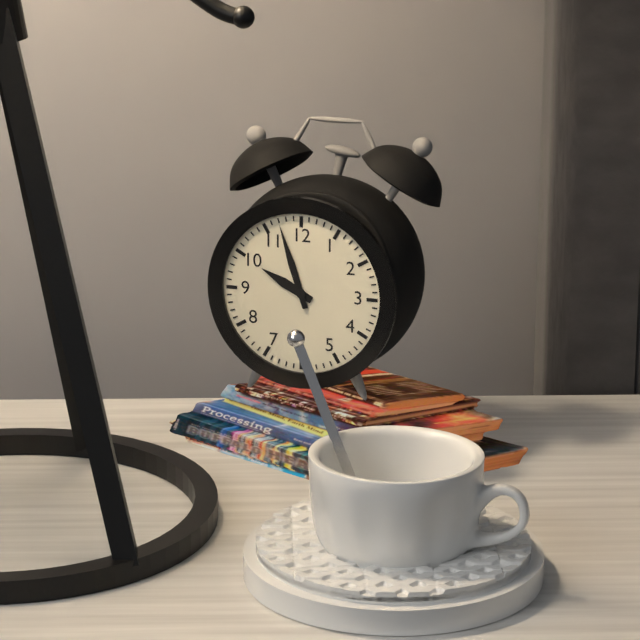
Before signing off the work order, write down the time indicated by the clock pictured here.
9:57
